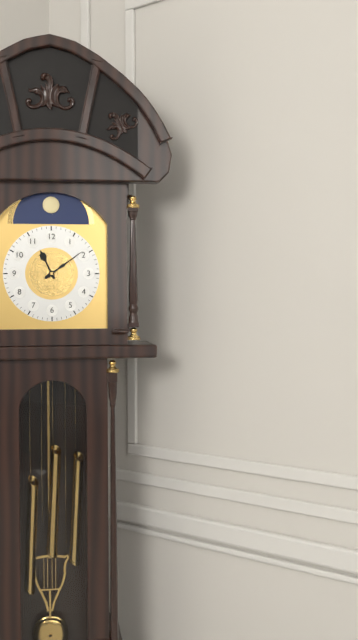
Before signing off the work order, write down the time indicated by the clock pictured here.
11:09
